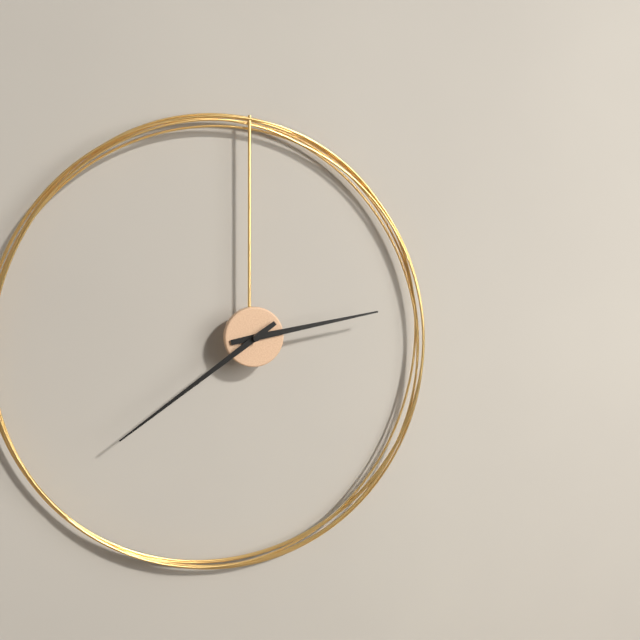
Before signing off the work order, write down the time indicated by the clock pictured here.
2:39
